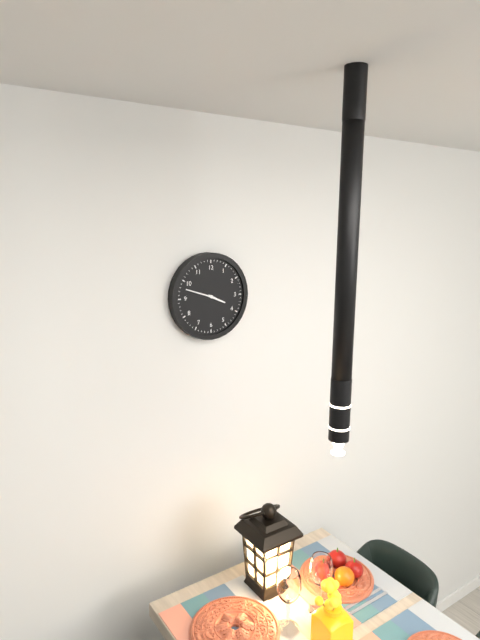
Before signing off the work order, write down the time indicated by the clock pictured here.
3:48
